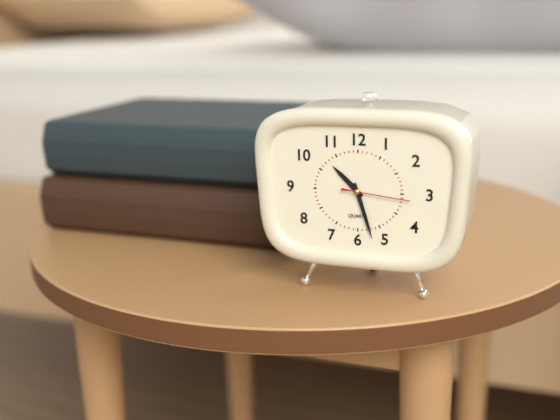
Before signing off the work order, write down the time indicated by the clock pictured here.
10:27:16
